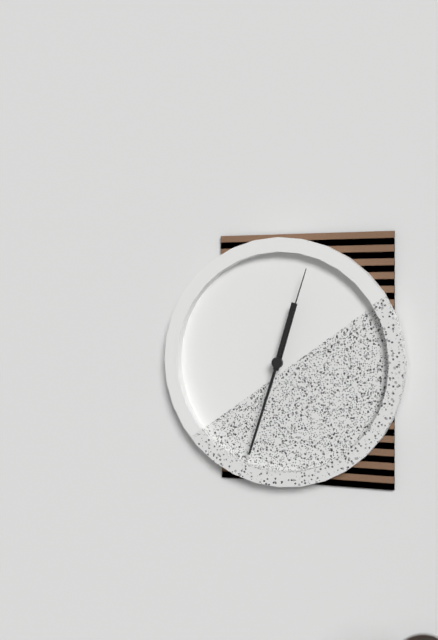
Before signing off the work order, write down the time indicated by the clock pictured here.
12:33:03
